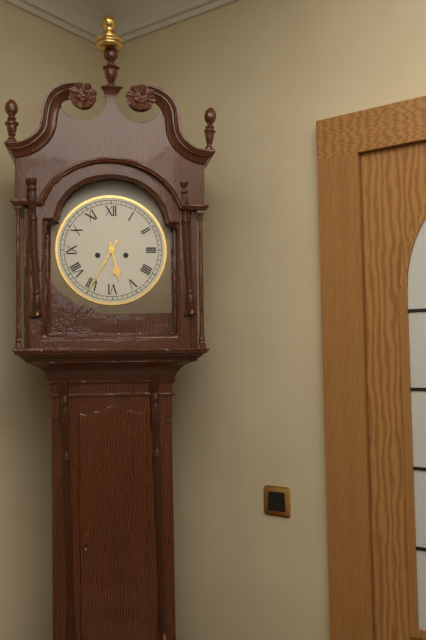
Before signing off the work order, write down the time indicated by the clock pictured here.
5:35
